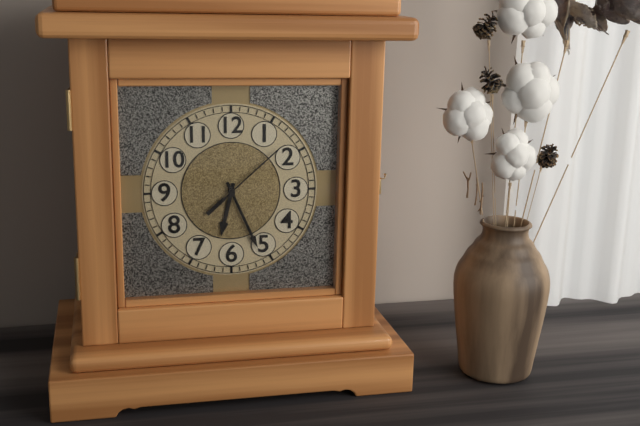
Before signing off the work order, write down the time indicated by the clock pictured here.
6:26:08
